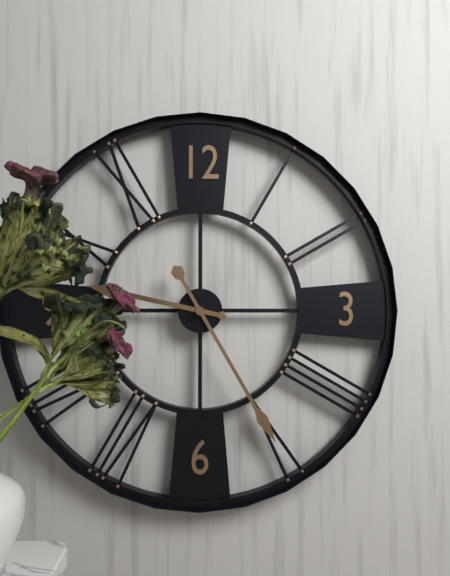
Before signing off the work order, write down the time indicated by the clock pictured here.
9:25
